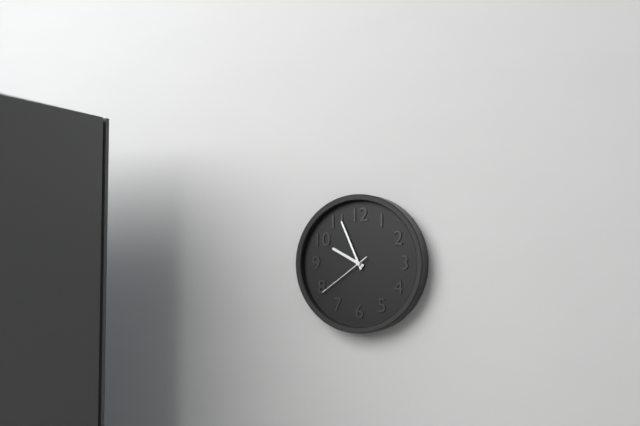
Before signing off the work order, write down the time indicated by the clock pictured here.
9:56:39
